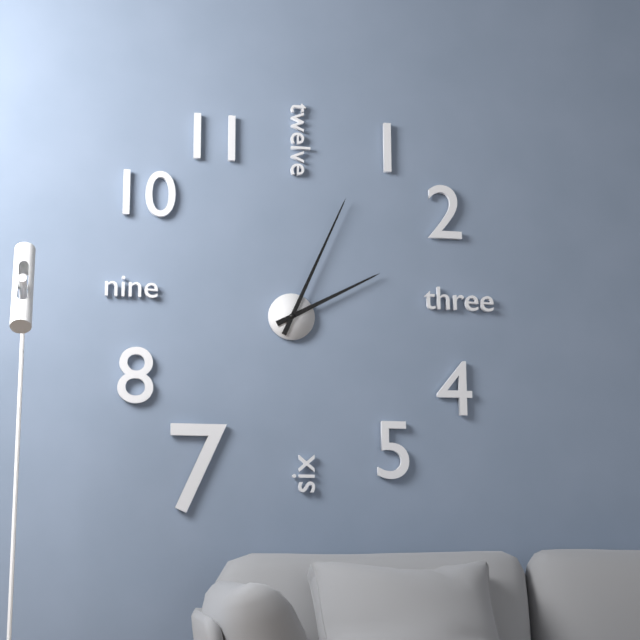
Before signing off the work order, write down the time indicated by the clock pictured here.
2:04
